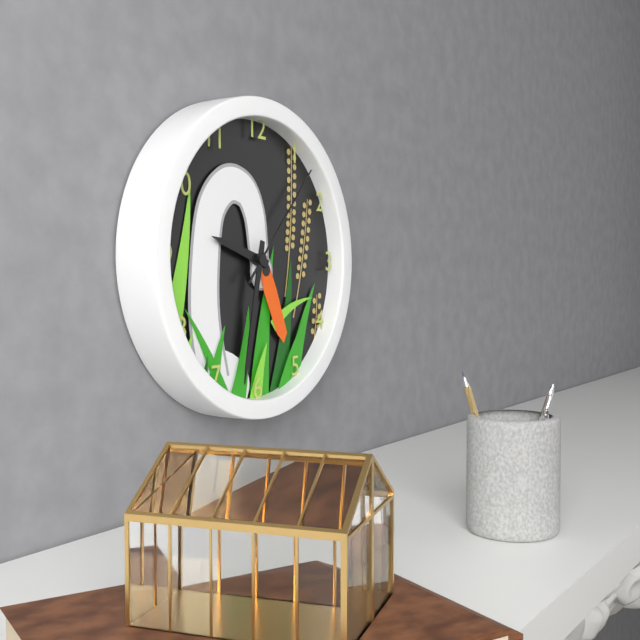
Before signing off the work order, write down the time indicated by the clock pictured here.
9:32:07
